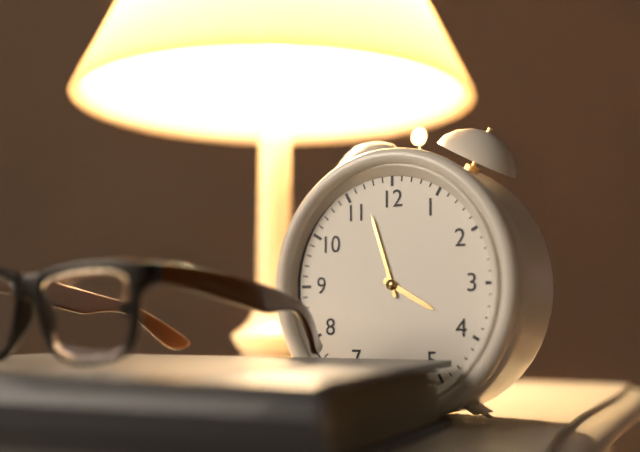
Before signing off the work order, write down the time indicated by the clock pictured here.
3:57
